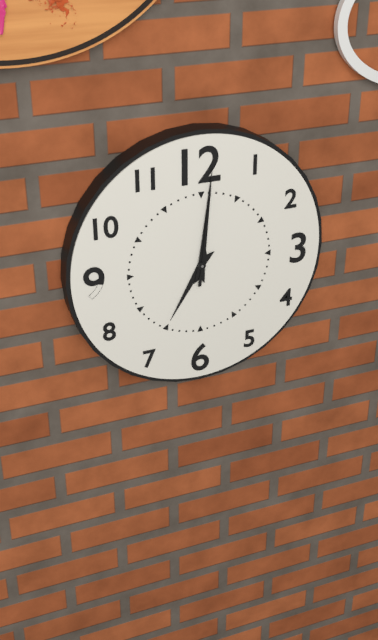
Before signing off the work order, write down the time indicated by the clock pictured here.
7:01:01
